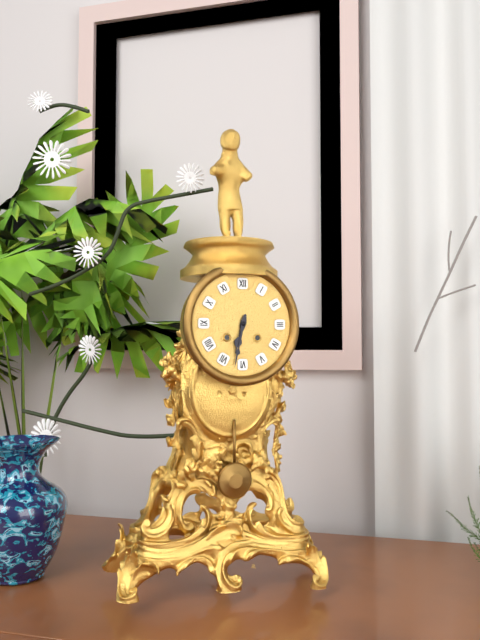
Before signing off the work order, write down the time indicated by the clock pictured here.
6:32
